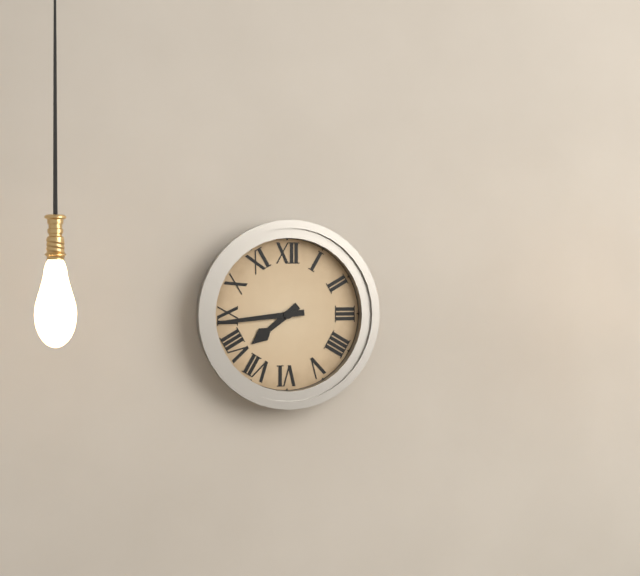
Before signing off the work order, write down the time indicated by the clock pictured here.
7:44
